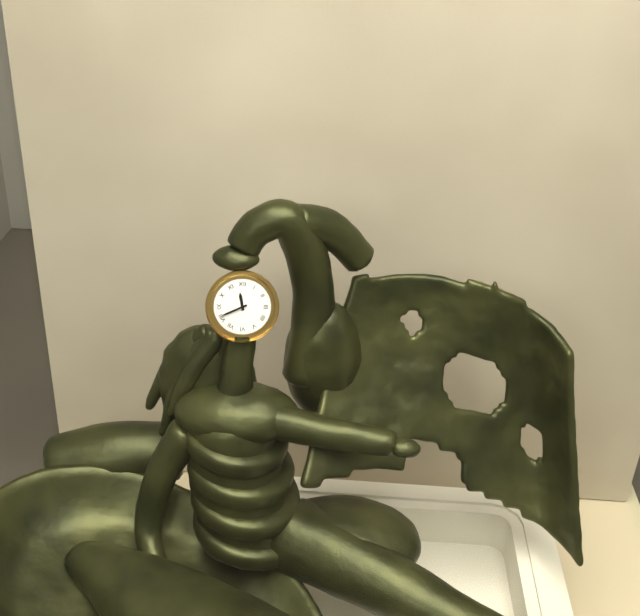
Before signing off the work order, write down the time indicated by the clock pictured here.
11:41
